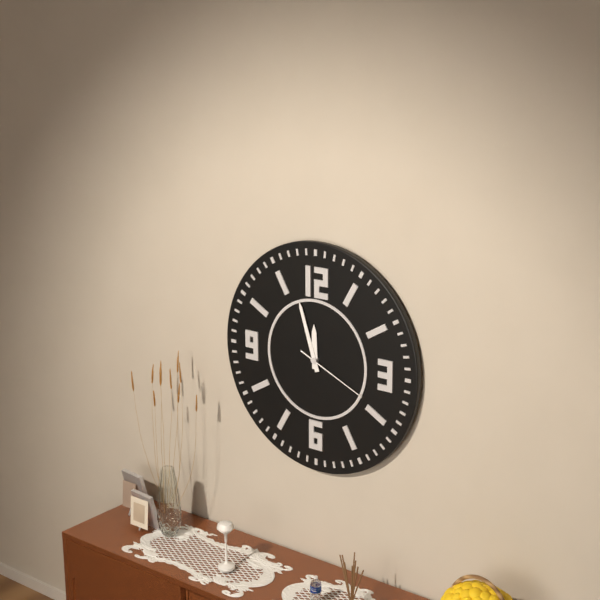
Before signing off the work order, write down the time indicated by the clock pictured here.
11:57:19
